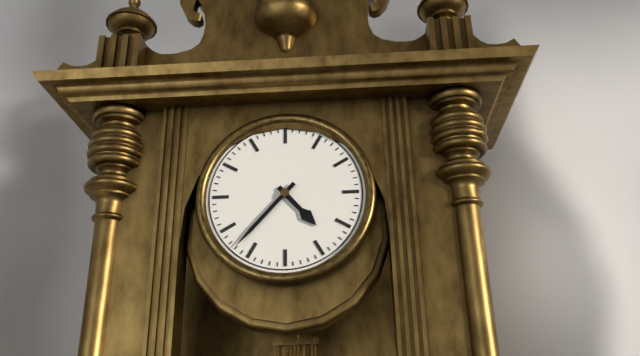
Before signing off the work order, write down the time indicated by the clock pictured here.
4:37
